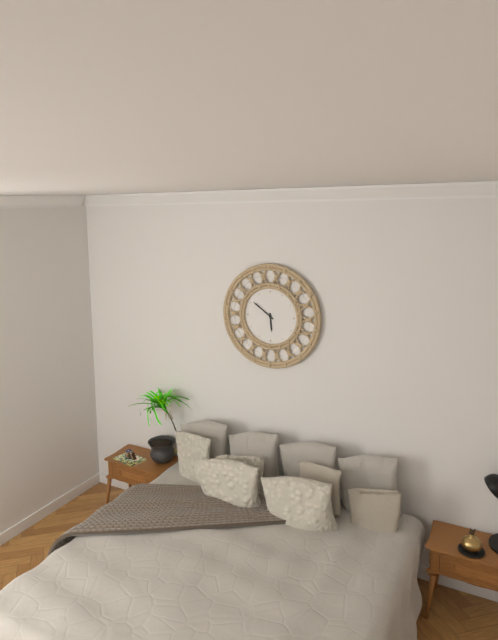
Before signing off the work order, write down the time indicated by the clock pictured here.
5:51
